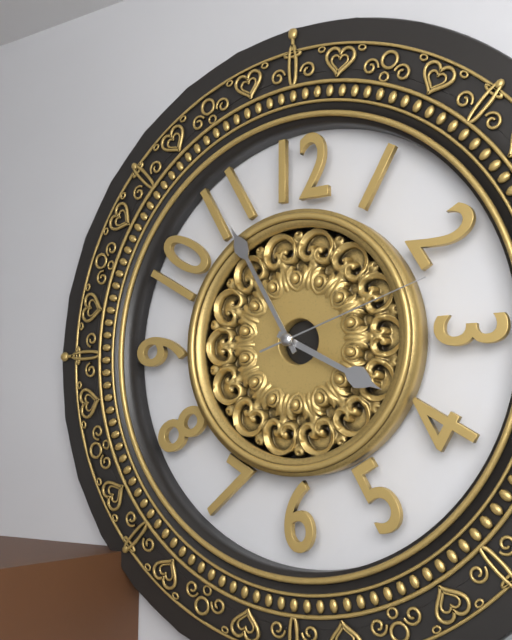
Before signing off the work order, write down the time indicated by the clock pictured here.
3:55:12
